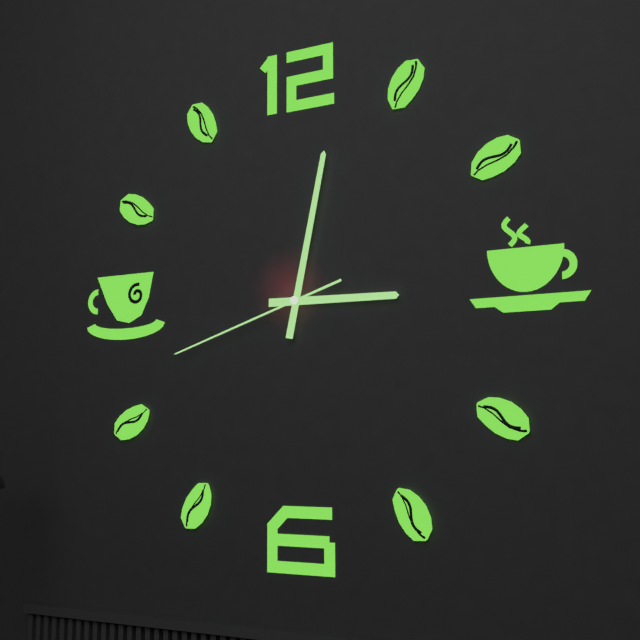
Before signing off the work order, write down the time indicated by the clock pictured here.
3:02:42
